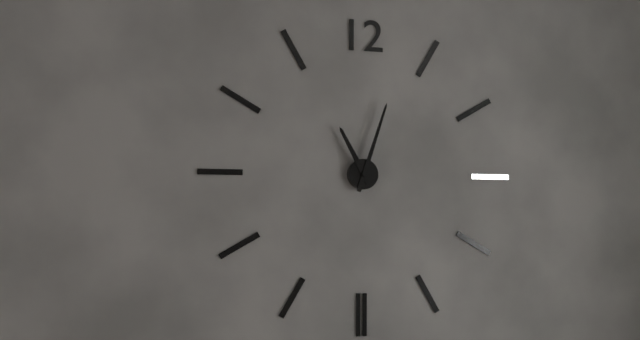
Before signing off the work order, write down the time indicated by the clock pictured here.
11:03
